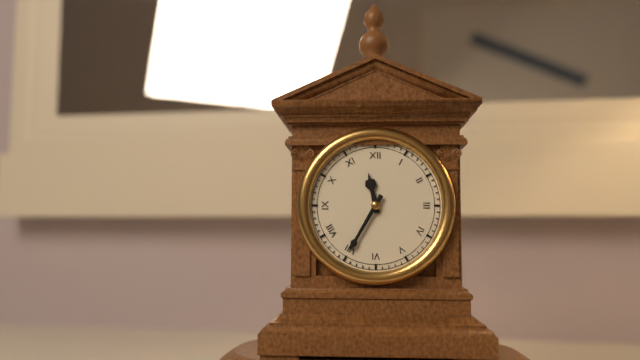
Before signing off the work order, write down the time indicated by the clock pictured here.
11:35
